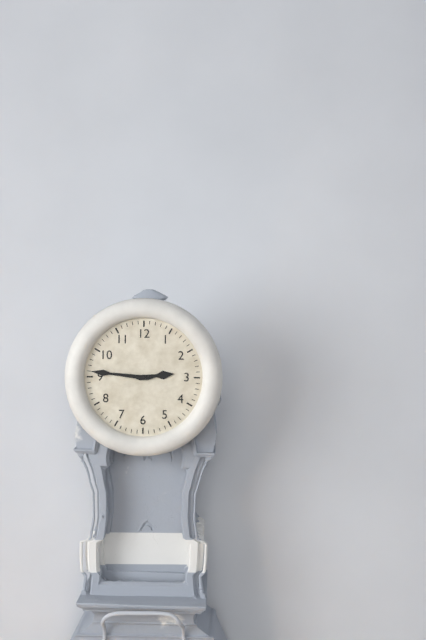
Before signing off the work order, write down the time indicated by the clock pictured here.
2:46
